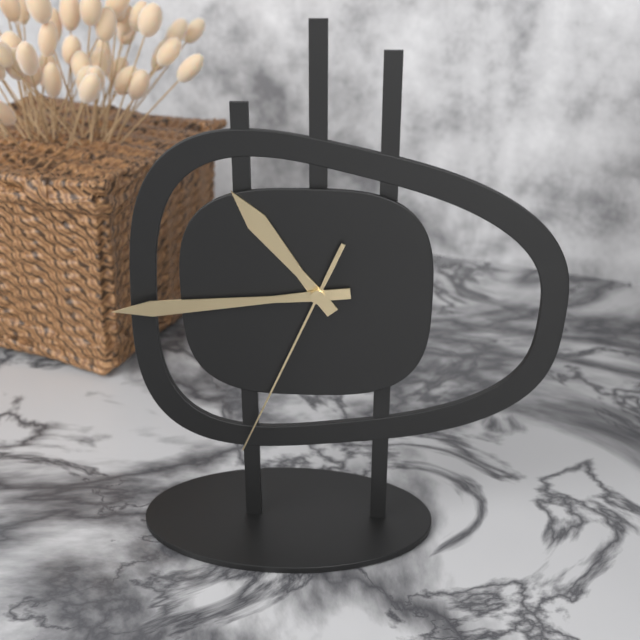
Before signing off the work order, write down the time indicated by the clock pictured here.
10:44:34
